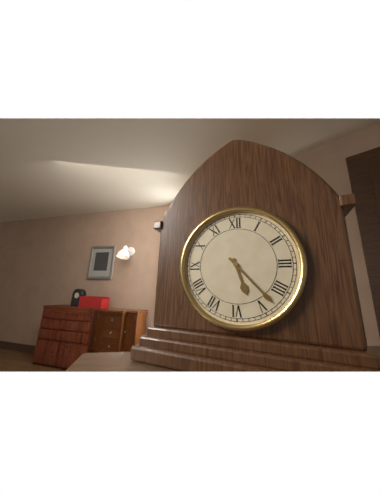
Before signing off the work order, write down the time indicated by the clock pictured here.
5:23
